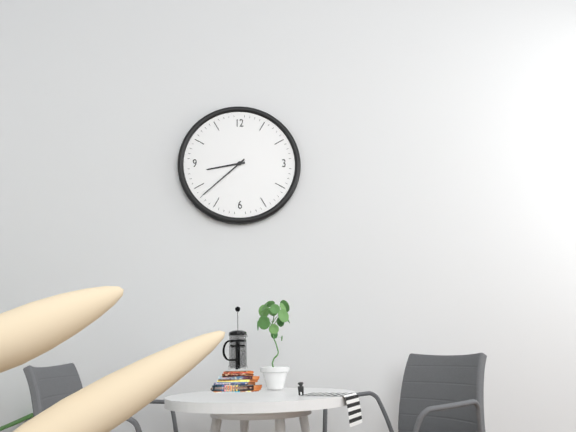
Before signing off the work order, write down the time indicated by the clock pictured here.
8:38
